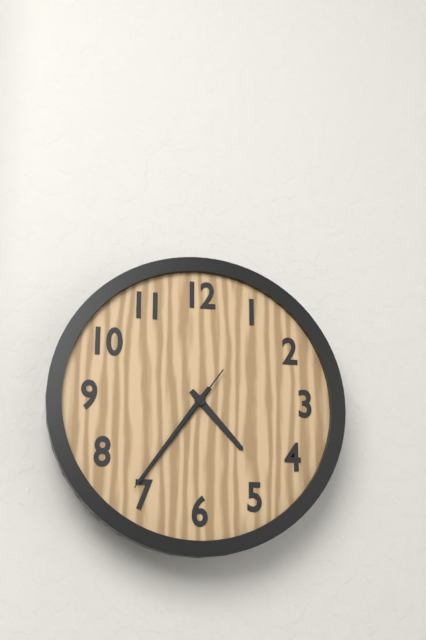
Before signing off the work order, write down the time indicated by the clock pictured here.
4:36:36
